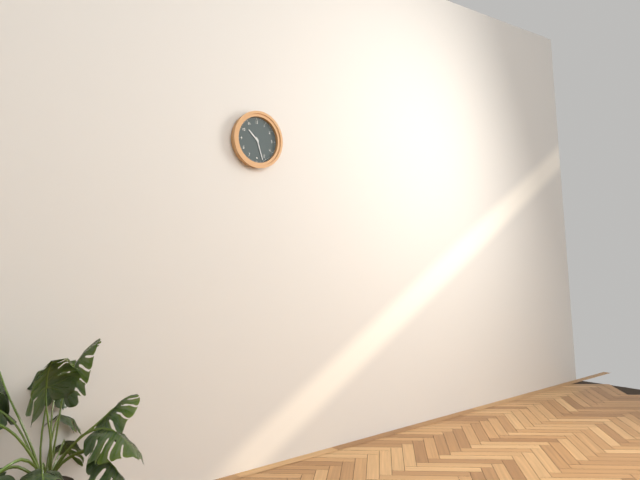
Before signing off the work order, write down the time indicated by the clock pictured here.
10:27
